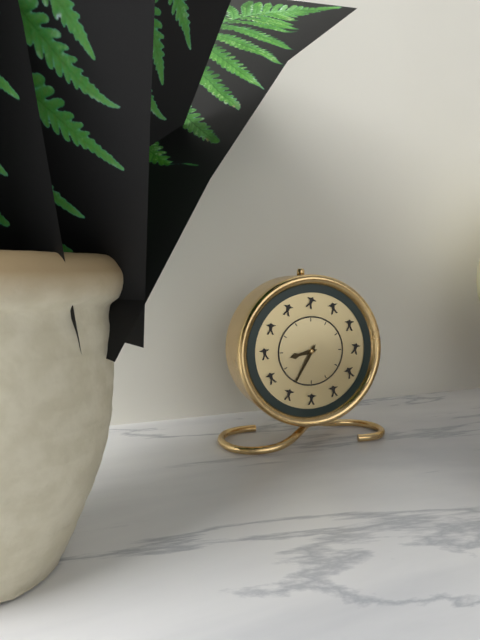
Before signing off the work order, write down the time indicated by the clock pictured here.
8:35
